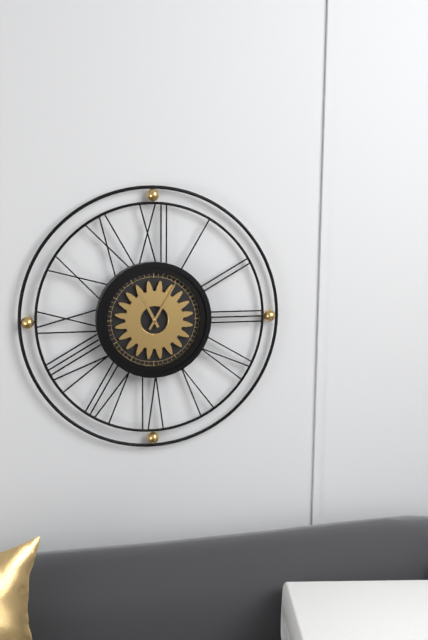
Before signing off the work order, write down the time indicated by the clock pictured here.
11:05
